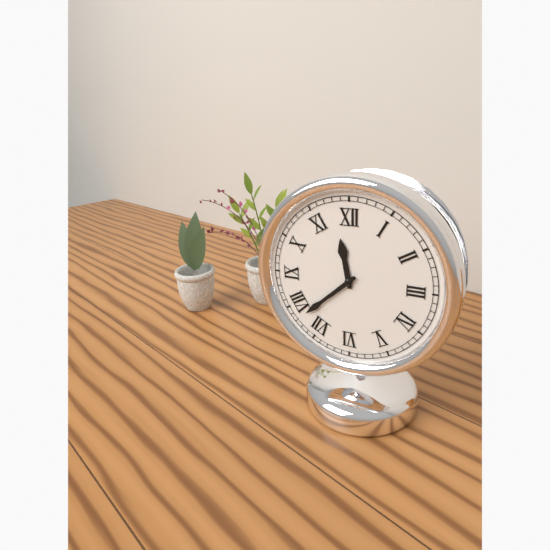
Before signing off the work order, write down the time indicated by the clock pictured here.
11:38
